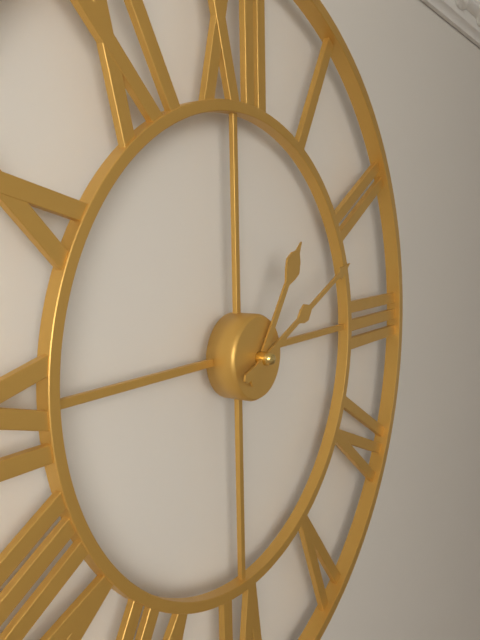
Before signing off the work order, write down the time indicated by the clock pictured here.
1:11
